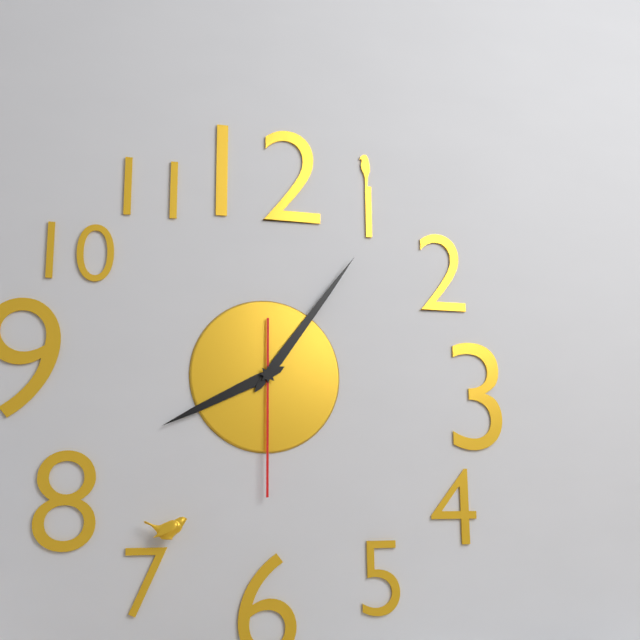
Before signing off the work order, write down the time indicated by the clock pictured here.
8:06:30
